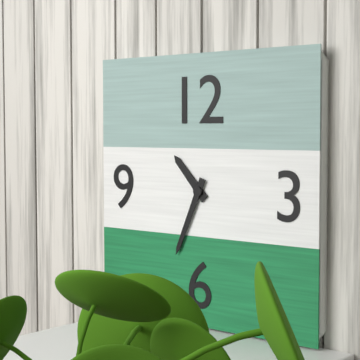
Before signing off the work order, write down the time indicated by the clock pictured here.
10:34
